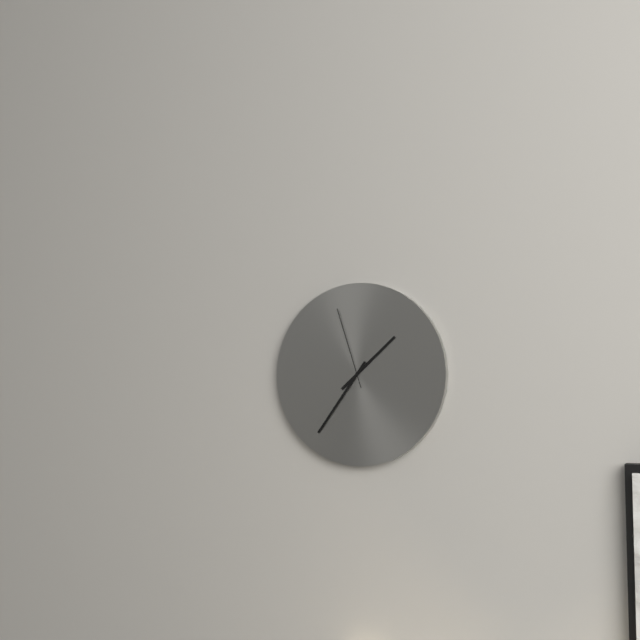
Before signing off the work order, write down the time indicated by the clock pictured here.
1:36:57
